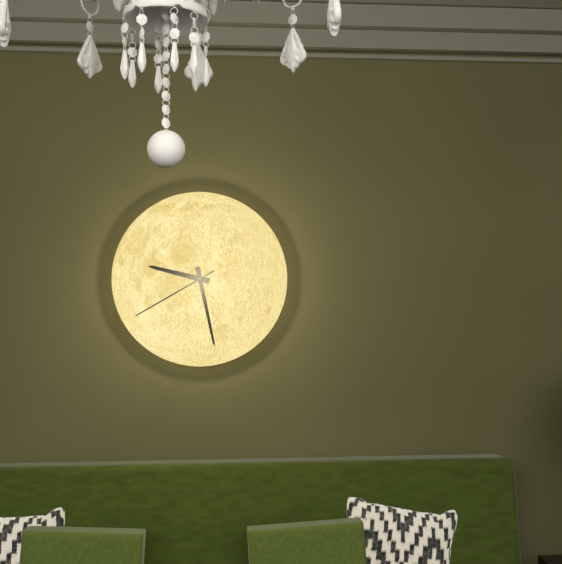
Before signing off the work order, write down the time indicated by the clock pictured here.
9:28:40
